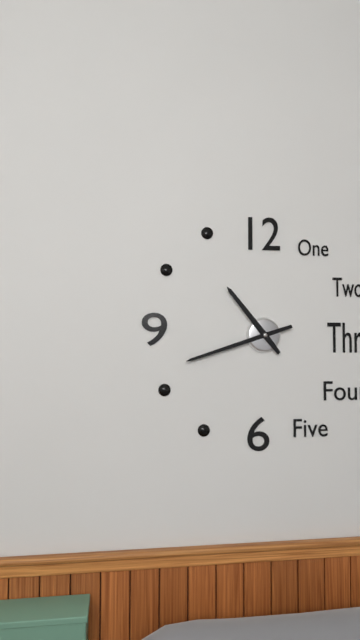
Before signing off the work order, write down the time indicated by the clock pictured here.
10:42
